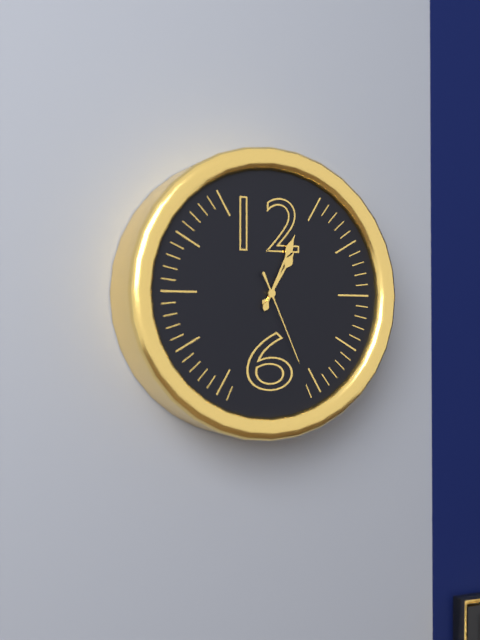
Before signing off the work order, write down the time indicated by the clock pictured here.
1:04:26
